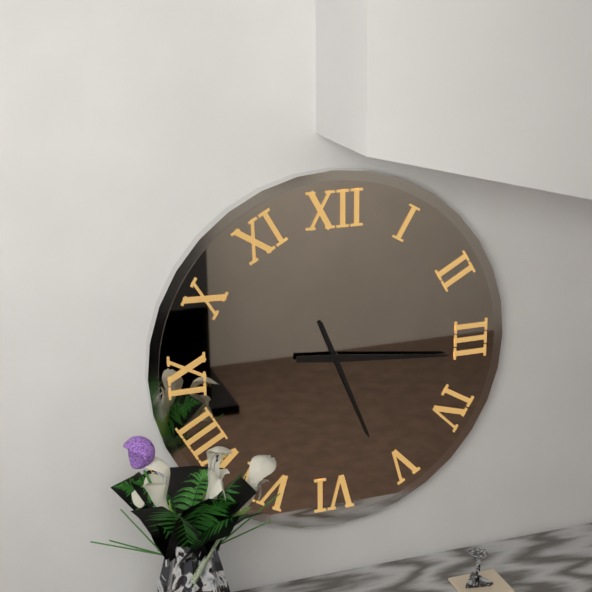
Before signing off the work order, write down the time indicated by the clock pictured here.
5:16
